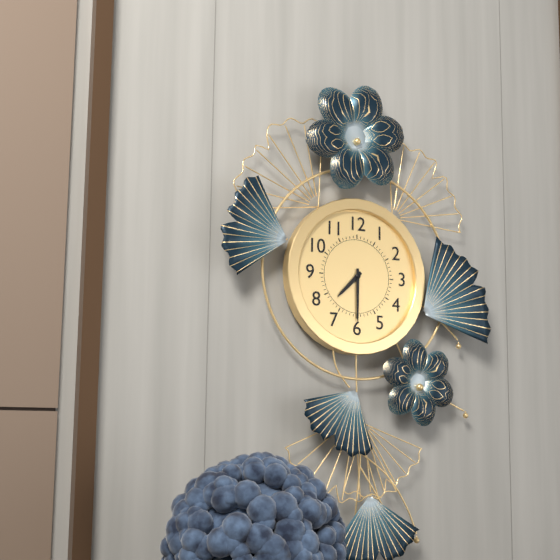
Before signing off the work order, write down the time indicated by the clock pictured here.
7:30
